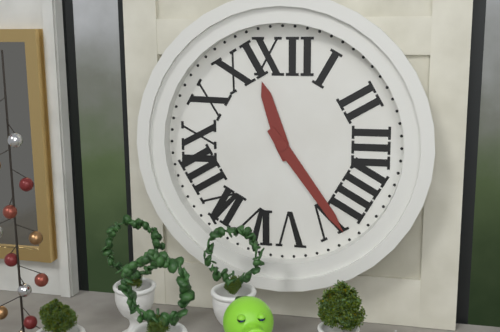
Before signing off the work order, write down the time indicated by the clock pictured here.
11:24
